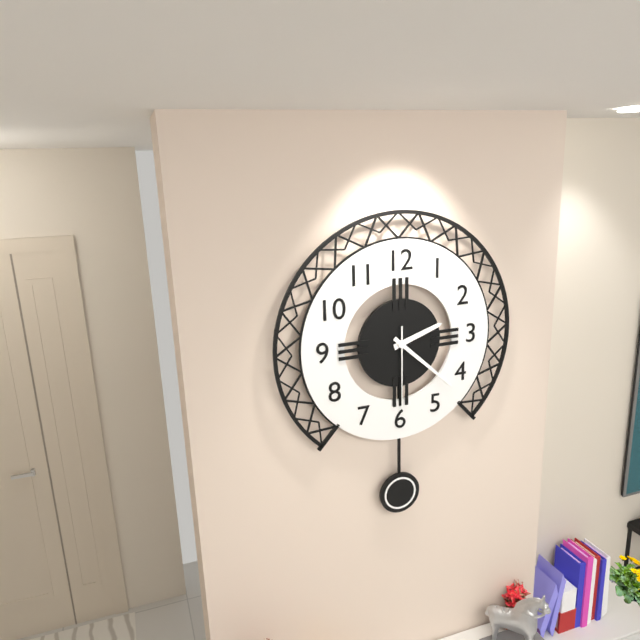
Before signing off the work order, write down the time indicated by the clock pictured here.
2:22:30
